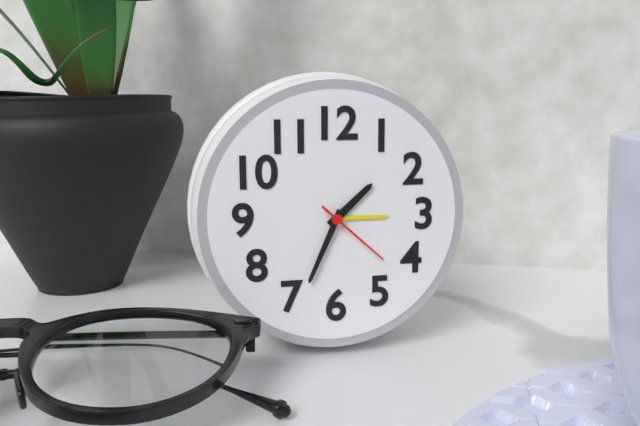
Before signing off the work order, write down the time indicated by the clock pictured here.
1:34:22
